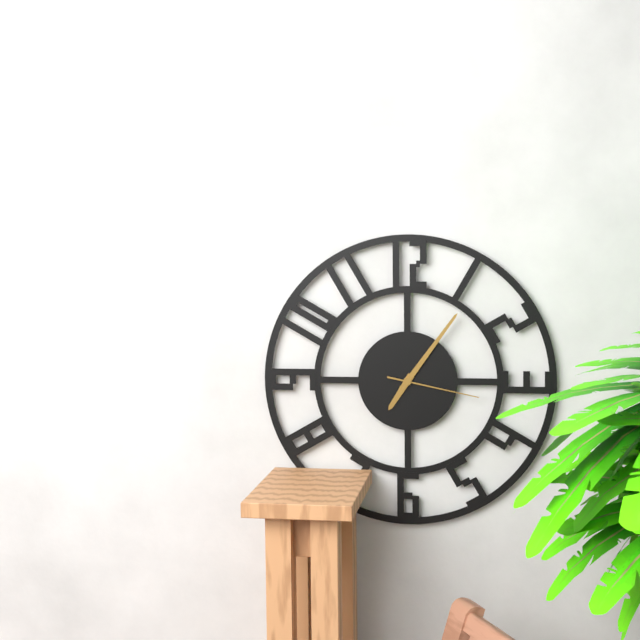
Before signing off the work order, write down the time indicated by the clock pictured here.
7:06:17
